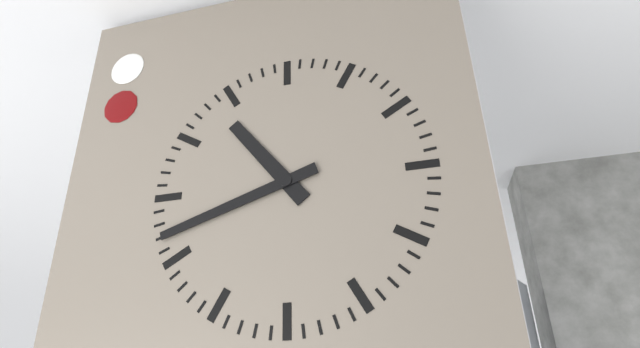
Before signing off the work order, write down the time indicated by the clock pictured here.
10:42
